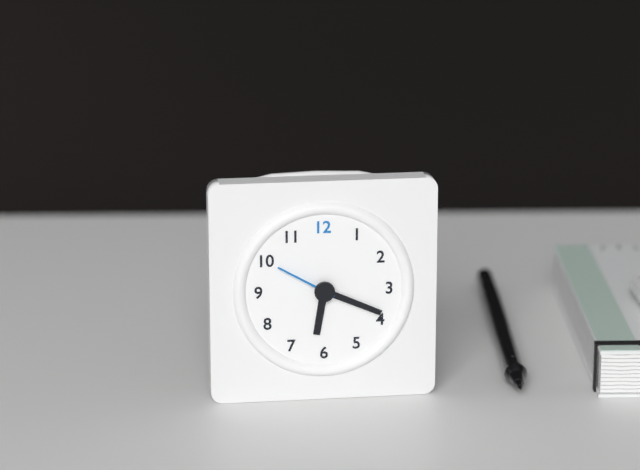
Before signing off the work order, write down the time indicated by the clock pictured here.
6:19:50
